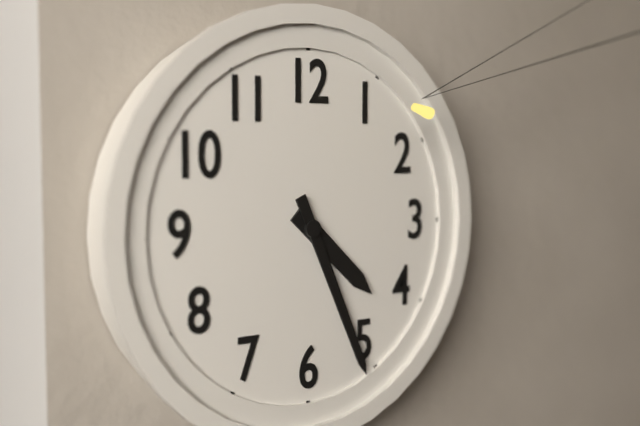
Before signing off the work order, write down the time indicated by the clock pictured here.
4:26
